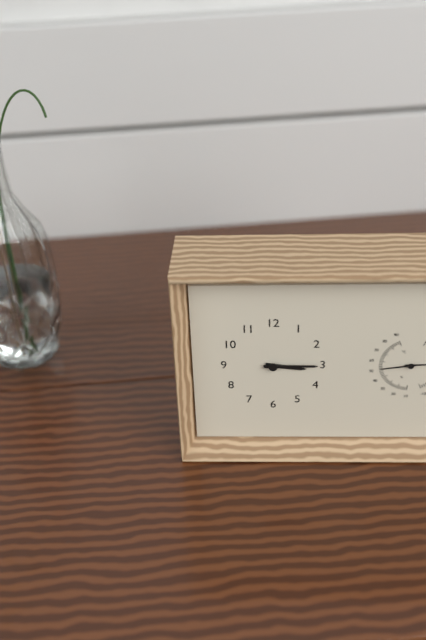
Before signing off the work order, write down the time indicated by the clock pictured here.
3:15
